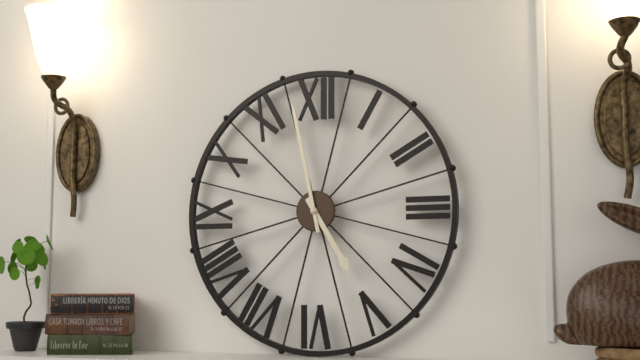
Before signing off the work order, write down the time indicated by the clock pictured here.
4:58
